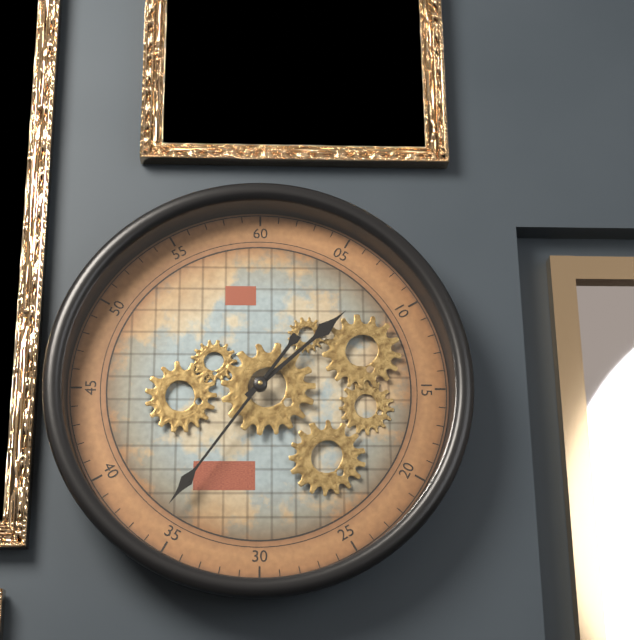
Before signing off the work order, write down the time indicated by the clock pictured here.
1:36
